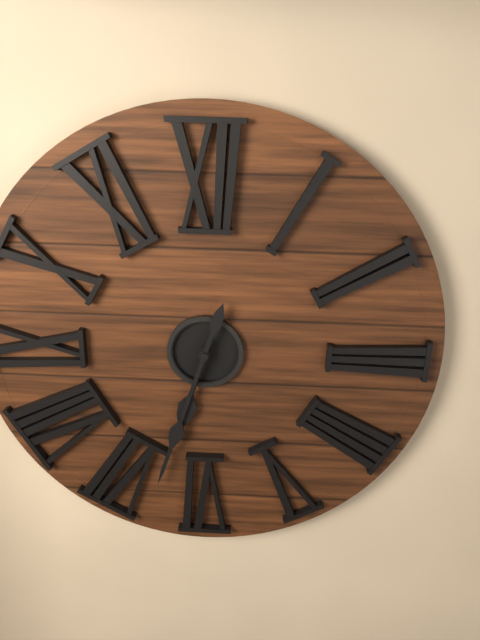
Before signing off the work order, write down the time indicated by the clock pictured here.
6:33
